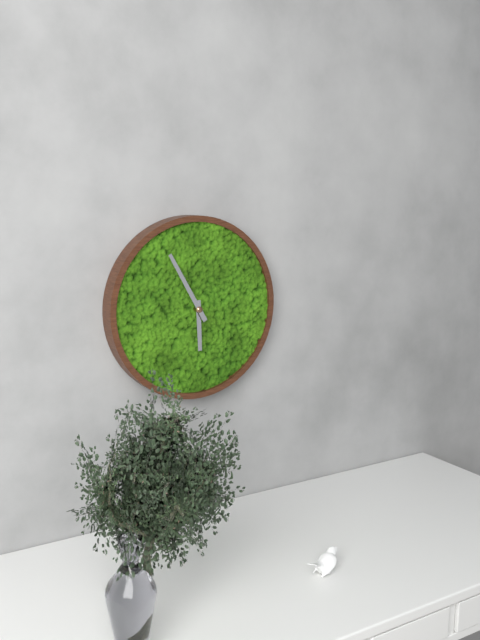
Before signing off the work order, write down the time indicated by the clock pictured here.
5:55
